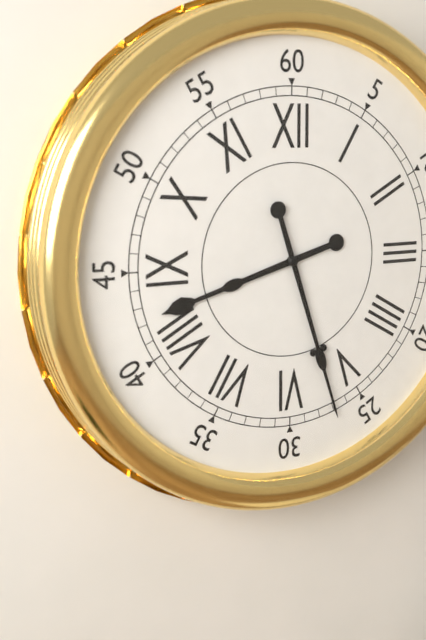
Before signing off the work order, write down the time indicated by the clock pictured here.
8:27
